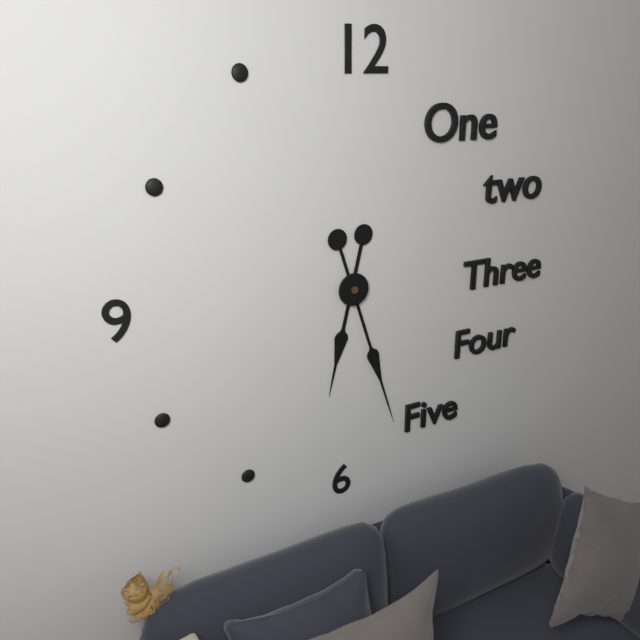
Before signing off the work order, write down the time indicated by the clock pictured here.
6:27
